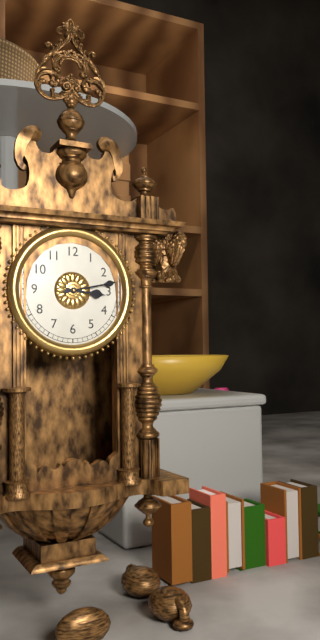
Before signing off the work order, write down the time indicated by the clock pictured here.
3:13
